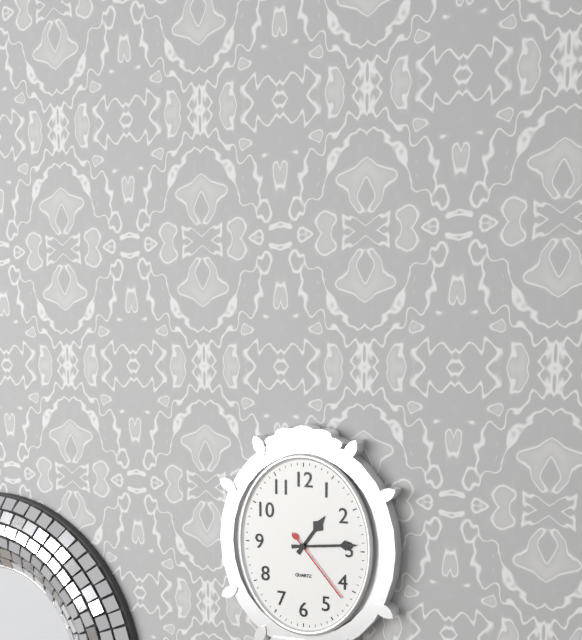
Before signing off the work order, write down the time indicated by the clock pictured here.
1:14:23
